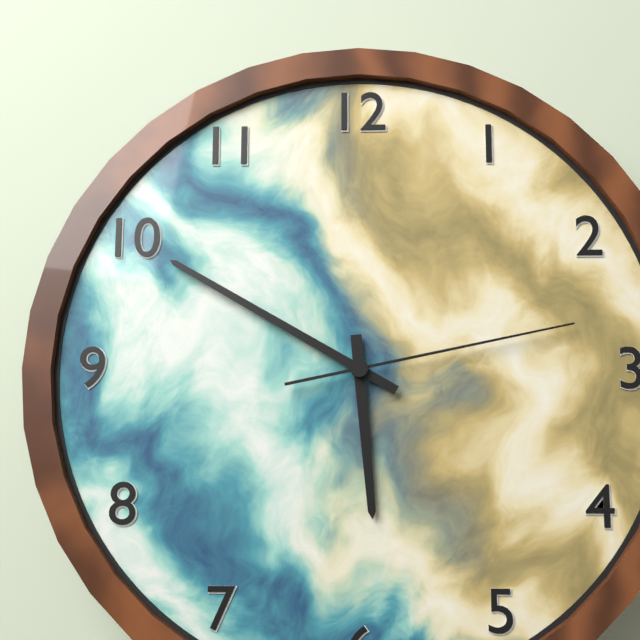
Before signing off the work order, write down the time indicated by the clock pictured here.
5:50:13
